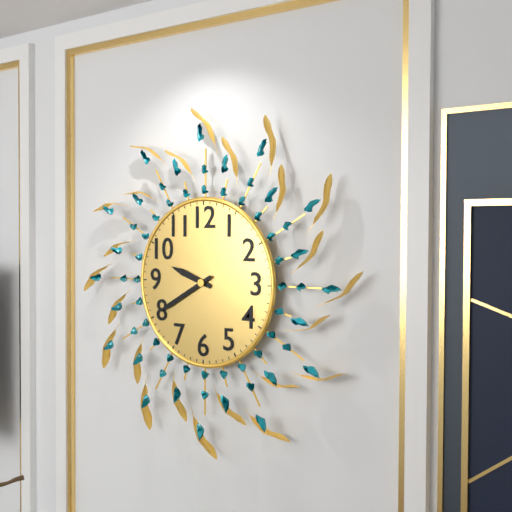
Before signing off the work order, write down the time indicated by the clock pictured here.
9:40
